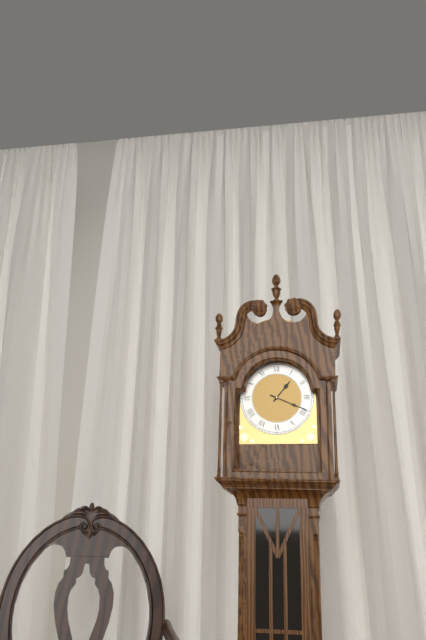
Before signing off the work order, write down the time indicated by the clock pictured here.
1:19
